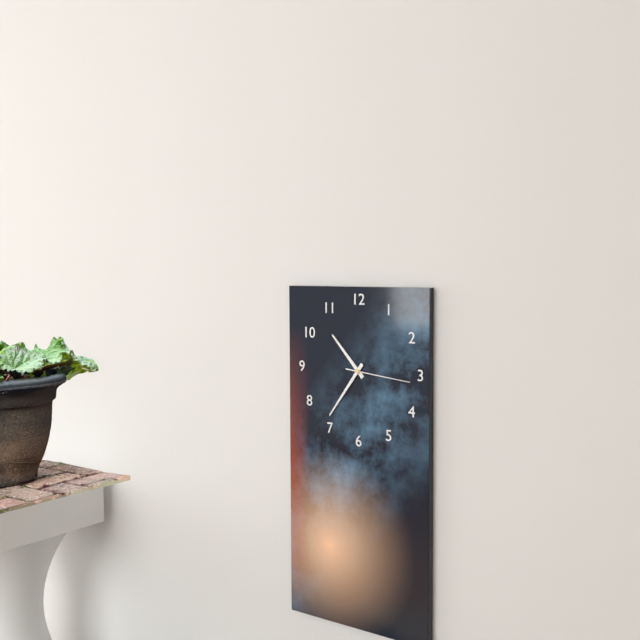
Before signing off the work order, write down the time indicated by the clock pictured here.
10:36:16
